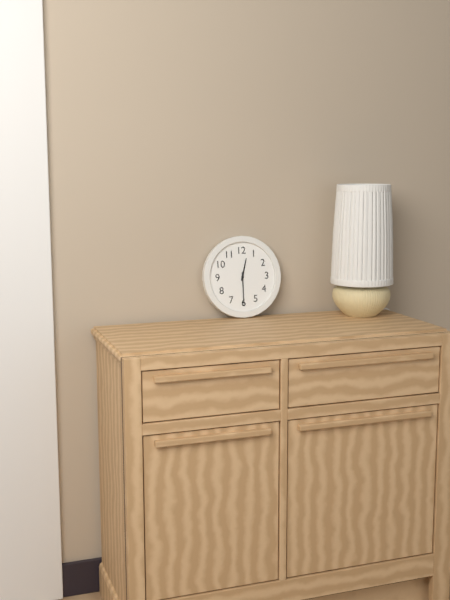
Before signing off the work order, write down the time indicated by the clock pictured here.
12:30
